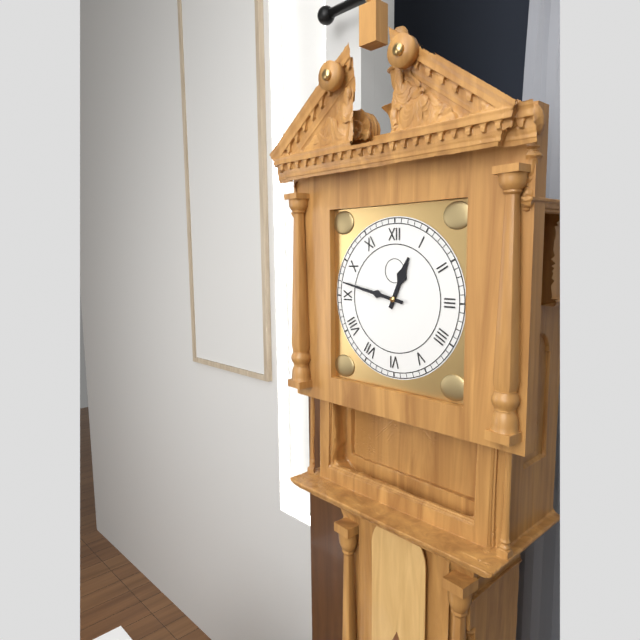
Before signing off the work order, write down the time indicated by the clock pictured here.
12:47
